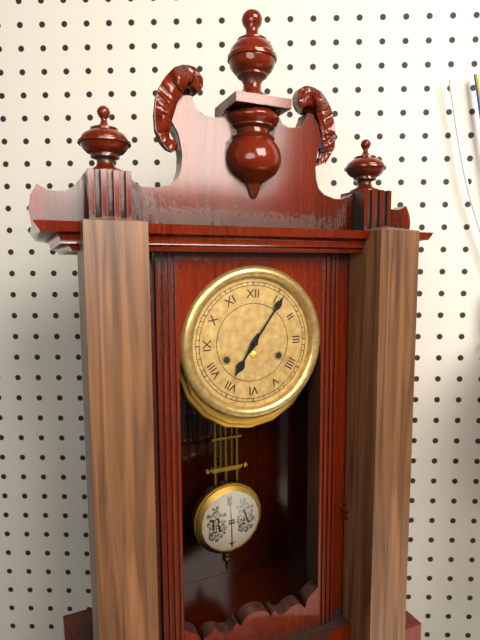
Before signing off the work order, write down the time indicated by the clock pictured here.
7:06
